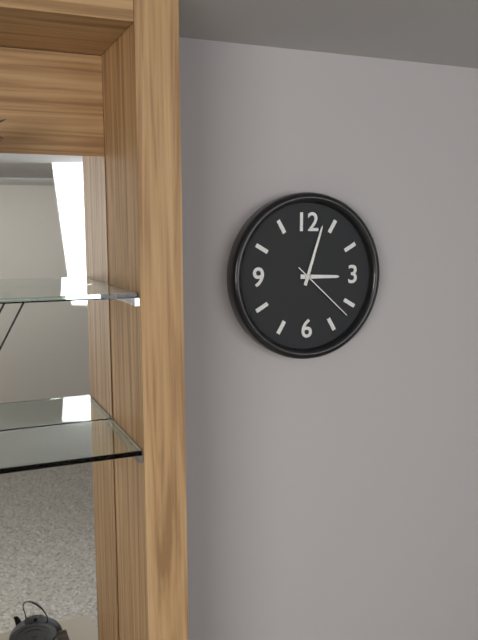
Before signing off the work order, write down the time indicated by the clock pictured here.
3:03:22
